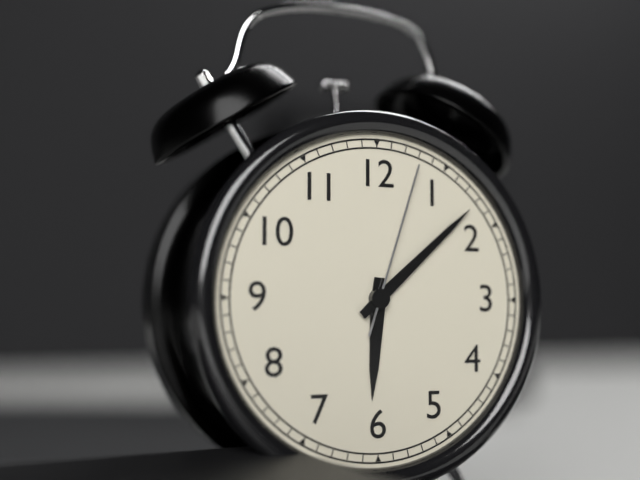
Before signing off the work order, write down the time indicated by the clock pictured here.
6:08:03
